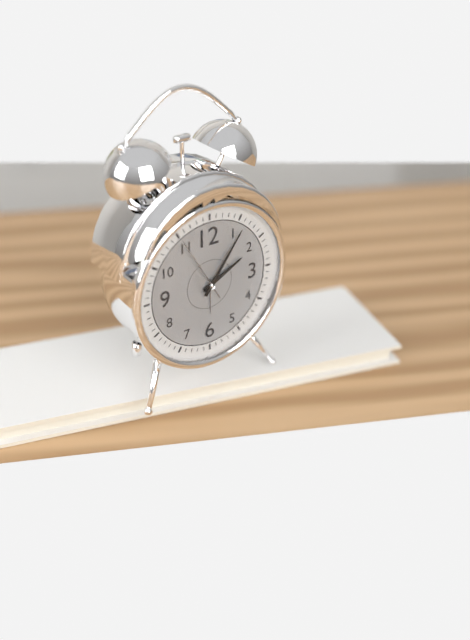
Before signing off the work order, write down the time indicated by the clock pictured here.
2:06:55
